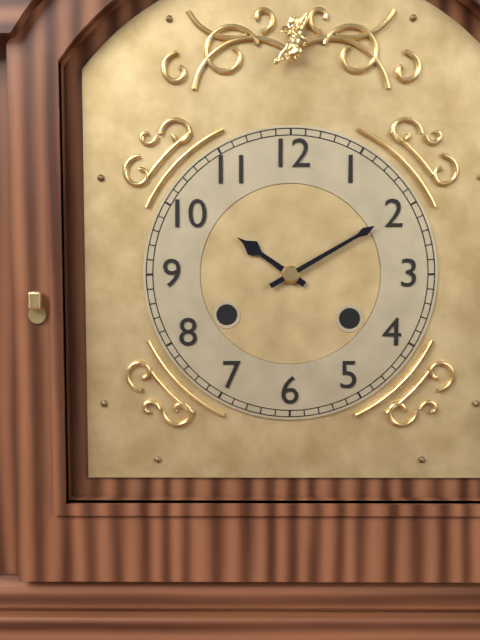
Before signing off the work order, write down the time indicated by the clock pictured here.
10:10
